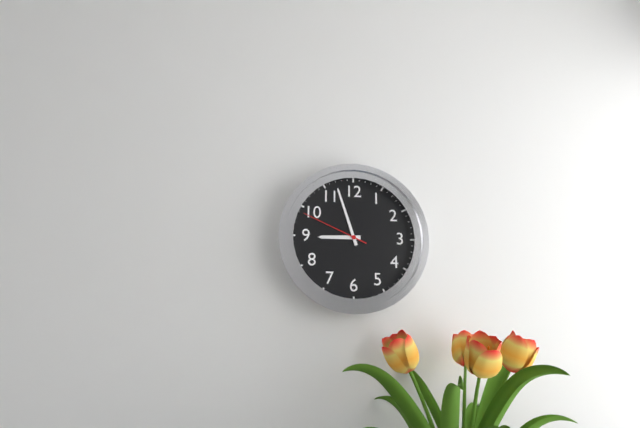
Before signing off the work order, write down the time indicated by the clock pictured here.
8:57:49
